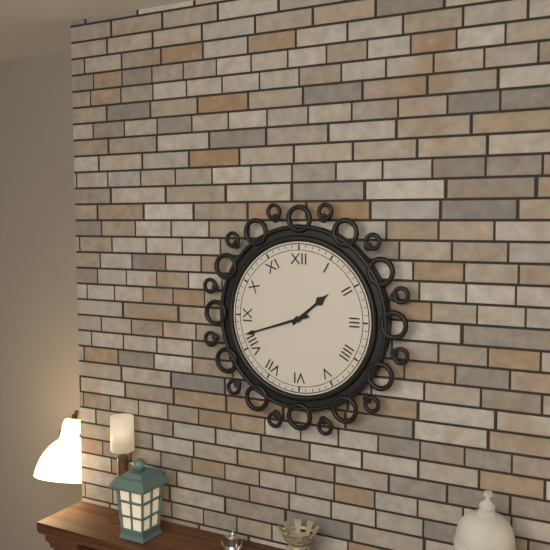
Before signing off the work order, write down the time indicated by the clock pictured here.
1:42
